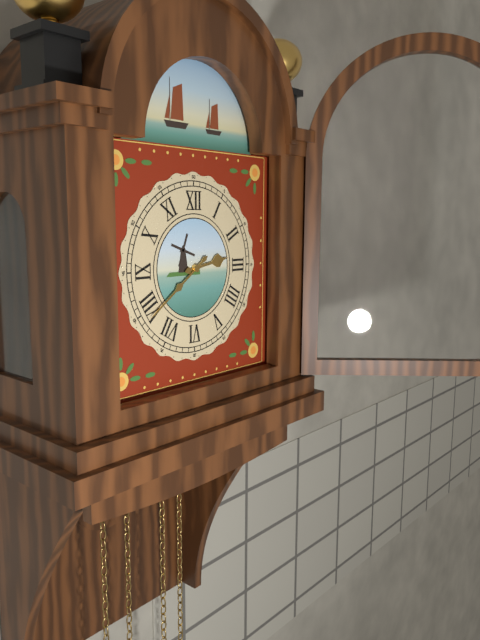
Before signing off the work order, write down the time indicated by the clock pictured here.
2:39
